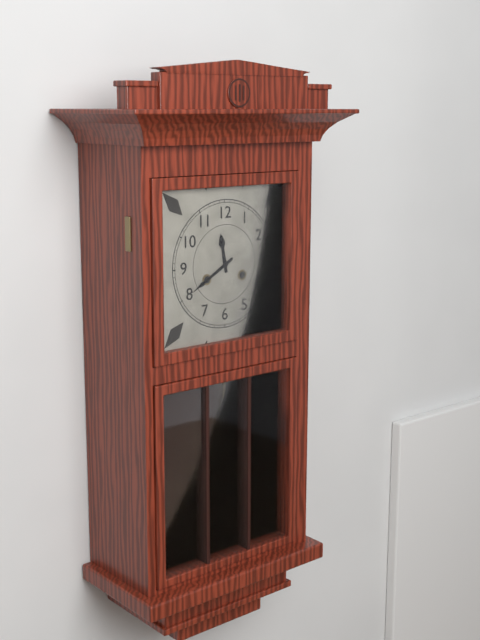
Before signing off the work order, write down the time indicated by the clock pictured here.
11:40
